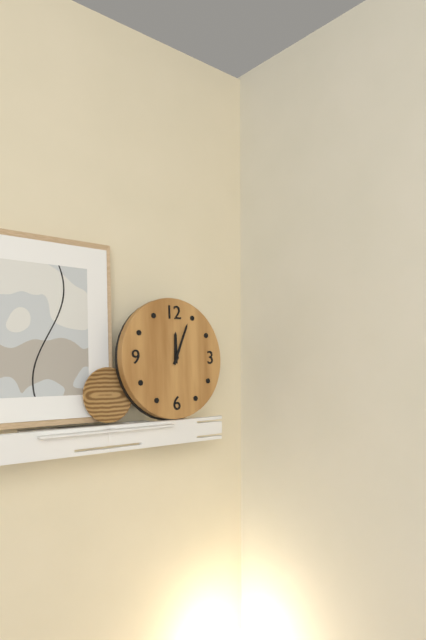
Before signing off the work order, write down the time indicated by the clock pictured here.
12:04
